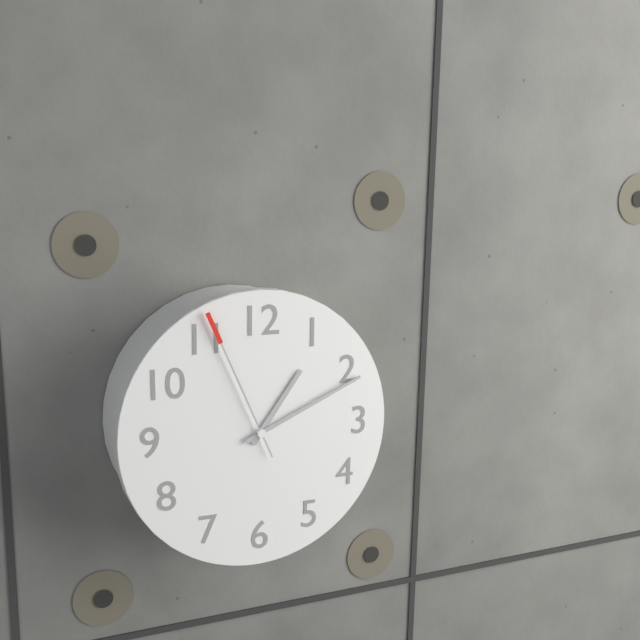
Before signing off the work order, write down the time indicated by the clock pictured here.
1:11:56
